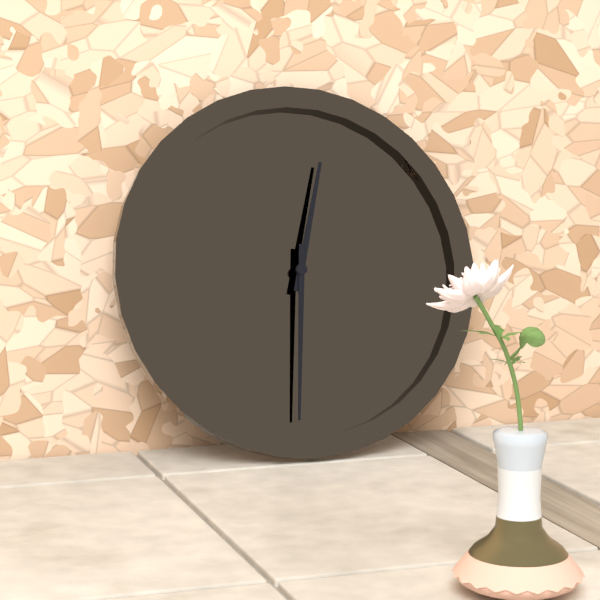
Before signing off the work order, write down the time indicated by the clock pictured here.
12:31
